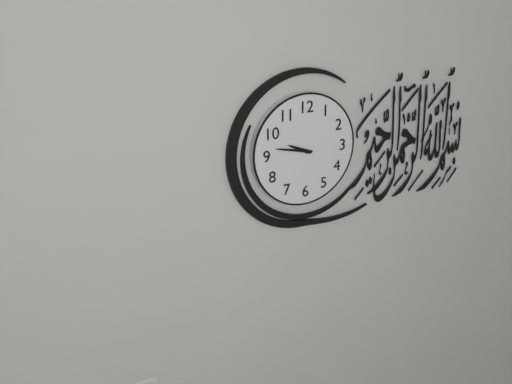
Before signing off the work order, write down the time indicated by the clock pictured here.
9:47
